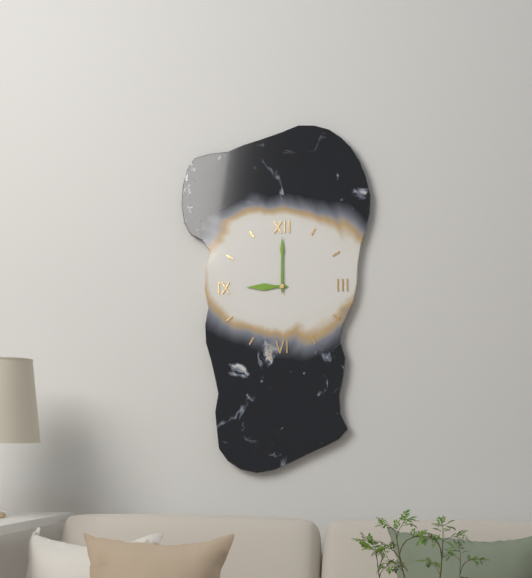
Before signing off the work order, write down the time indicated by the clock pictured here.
9:00
